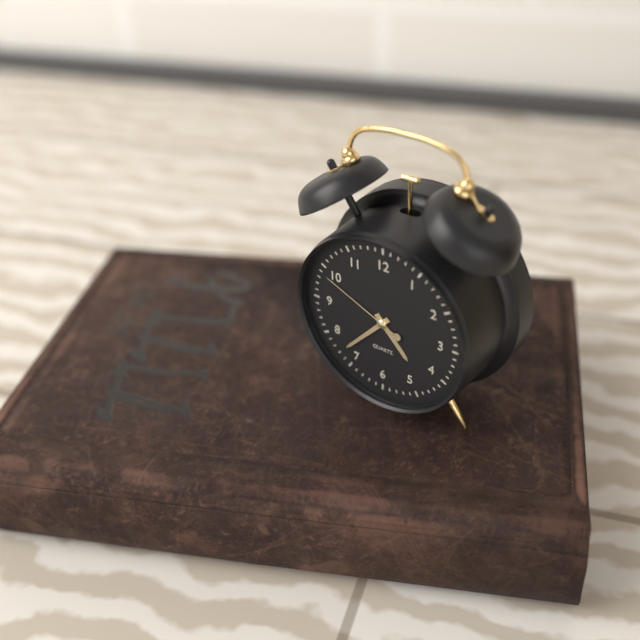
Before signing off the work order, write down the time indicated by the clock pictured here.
4:37:49
